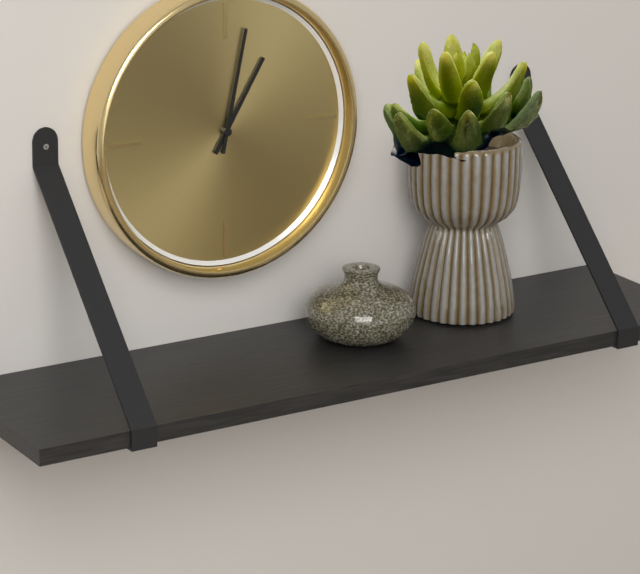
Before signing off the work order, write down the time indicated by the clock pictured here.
1:02
